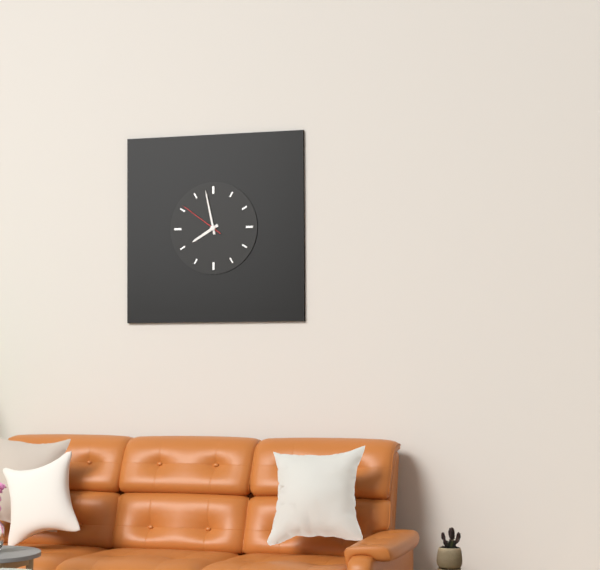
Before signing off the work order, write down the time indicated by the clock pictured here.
7:58
